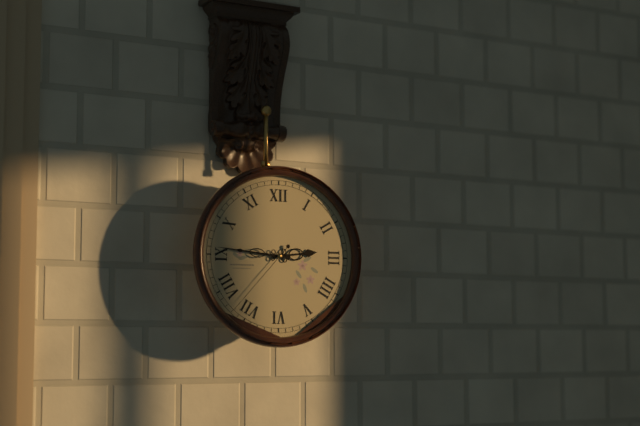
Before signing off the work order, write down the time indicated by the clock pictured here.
2:46:37
